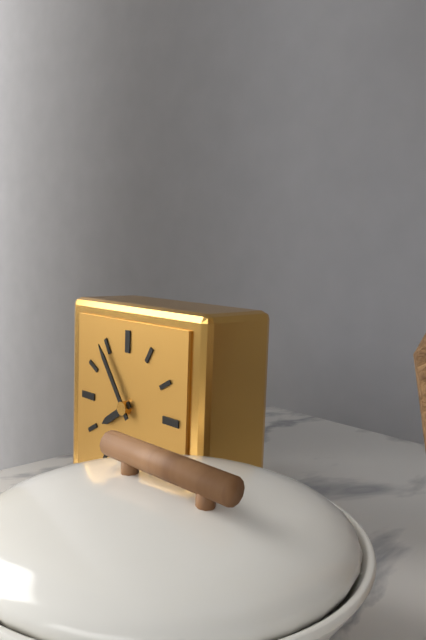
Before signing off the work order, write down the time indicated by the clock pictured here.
7:54
